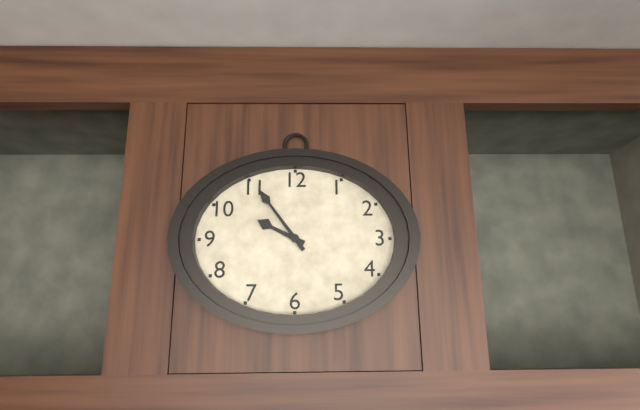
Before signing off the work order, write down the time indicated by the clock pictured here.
9:54
